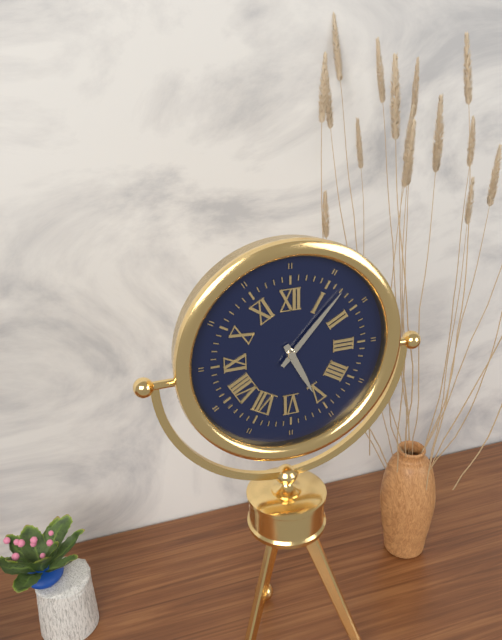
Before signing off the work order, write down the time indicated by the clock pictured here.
5:07
